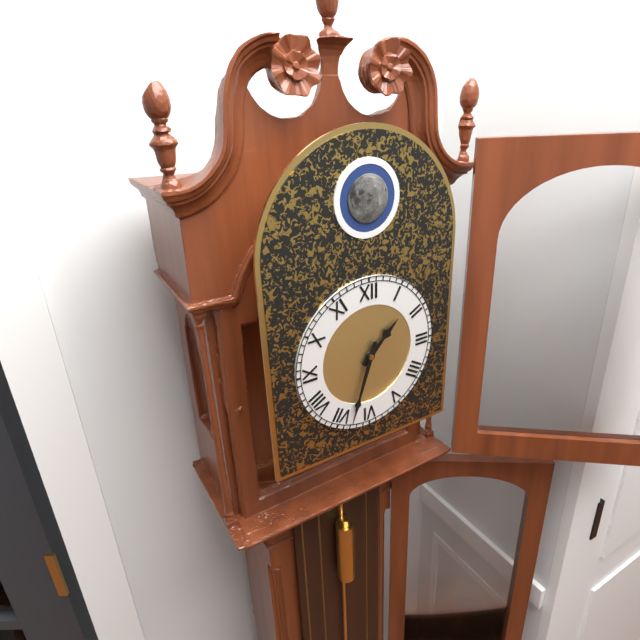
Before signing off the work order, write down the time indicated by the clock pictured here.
1:33
